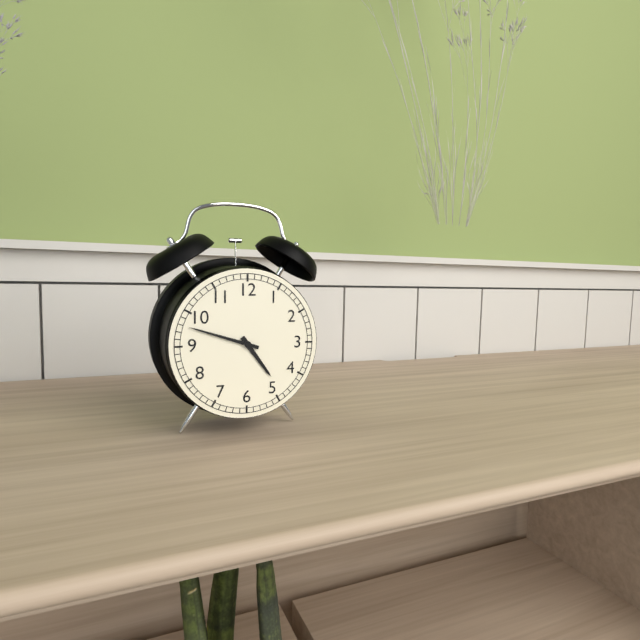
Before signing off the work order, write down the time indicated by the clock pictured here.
4:48
